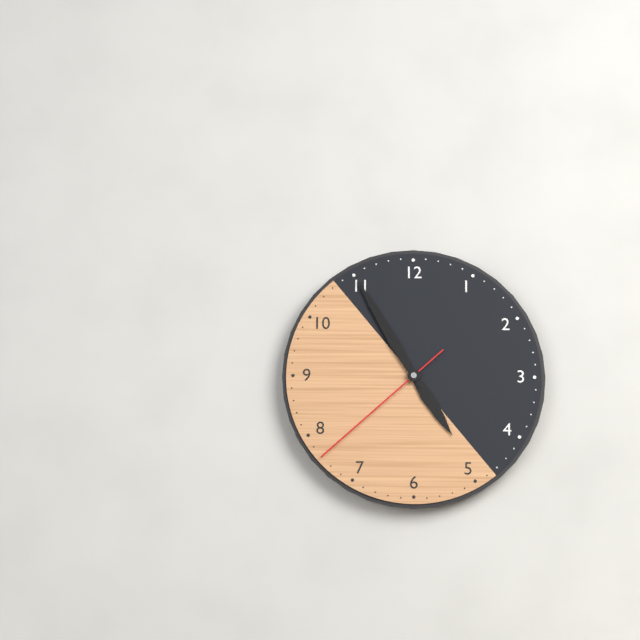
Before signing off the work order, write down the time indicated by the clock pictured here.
4:55:38
